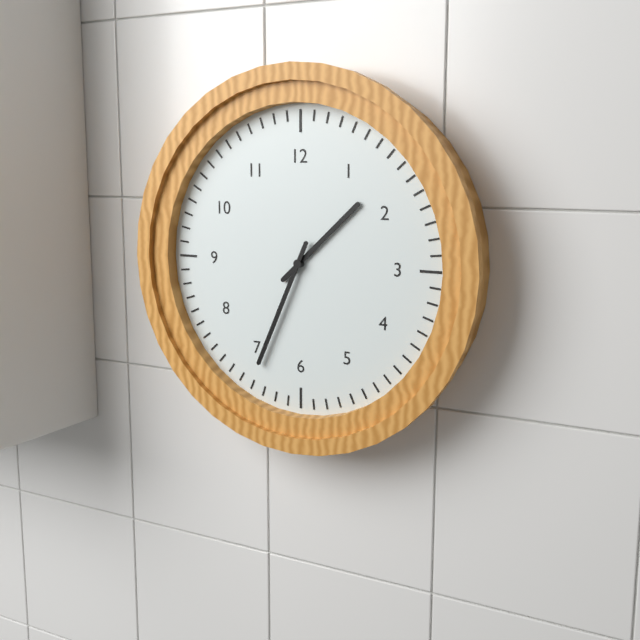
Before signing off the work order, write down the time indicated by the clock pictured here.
1:34
